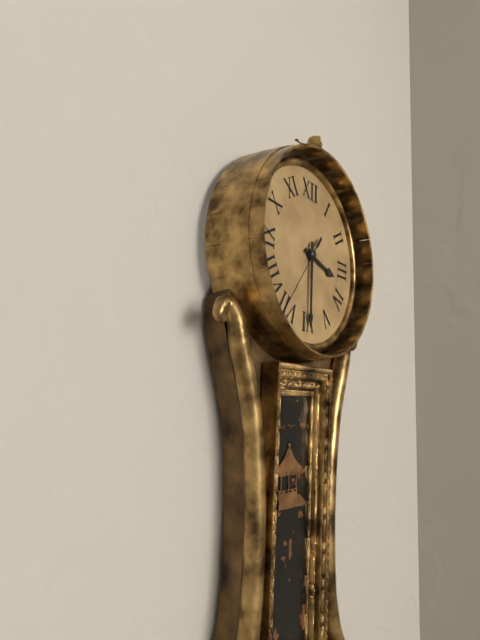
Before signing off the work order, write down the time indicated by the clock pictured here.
3:30:36
